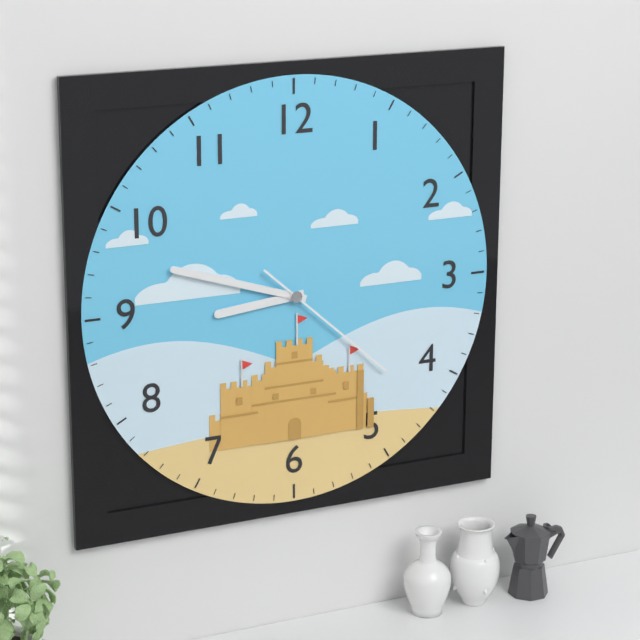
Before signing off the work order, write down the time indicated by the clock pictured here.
8:48:22
